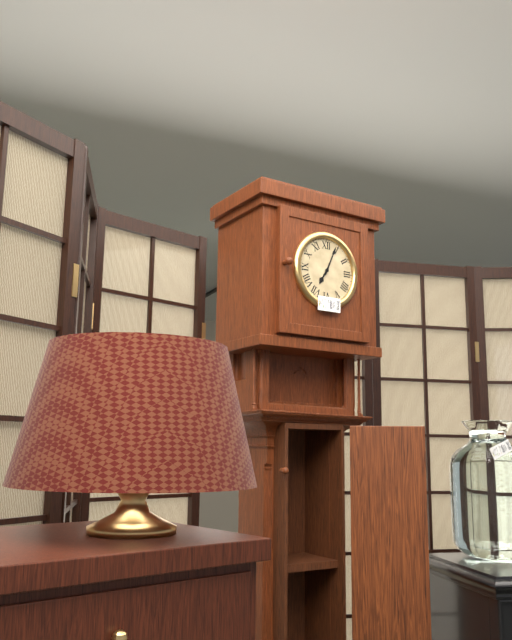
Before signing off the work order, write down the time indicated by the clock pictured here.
7:04
